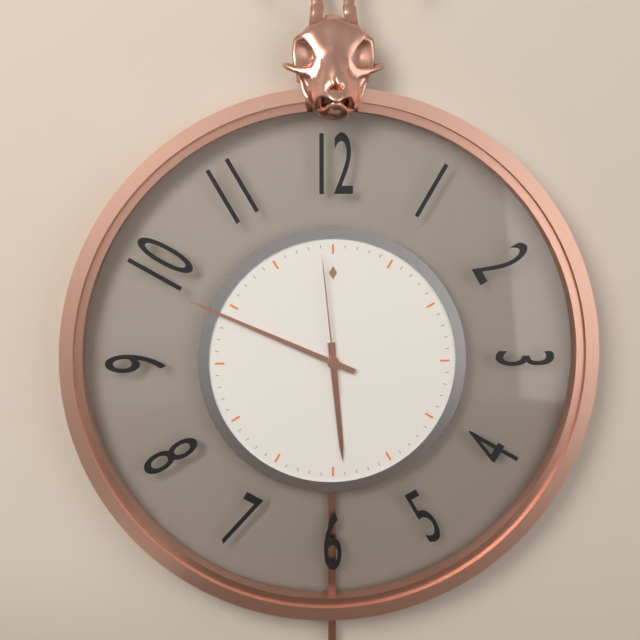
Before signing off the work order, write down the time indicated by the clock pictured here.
5:49:59
